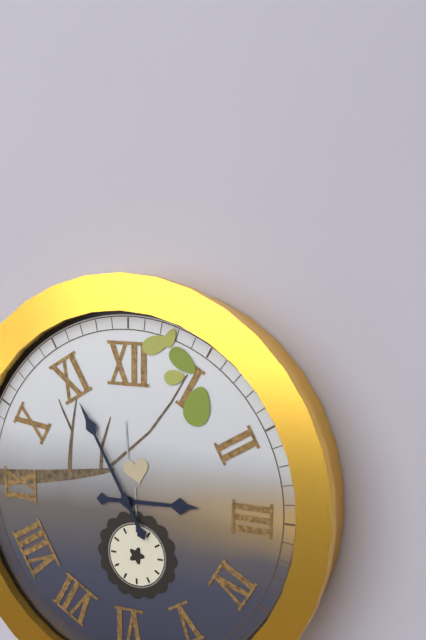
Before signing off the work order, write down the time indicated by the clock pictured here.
2:55
